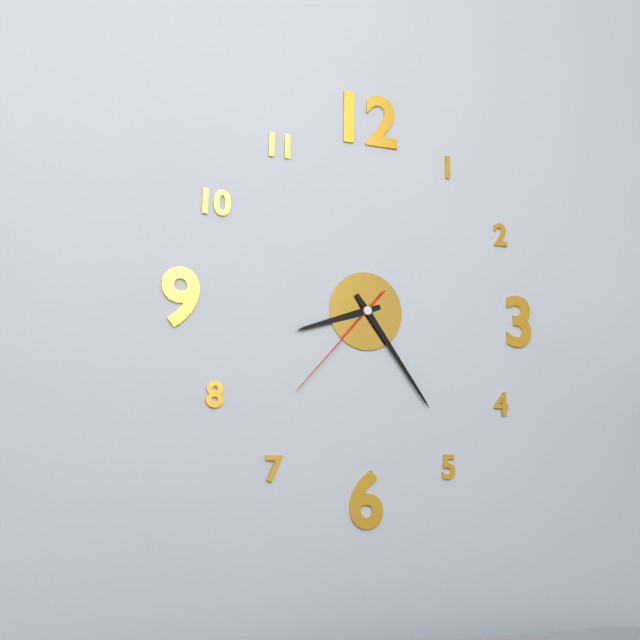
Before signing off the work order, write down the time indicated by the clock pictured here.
8:24:37
